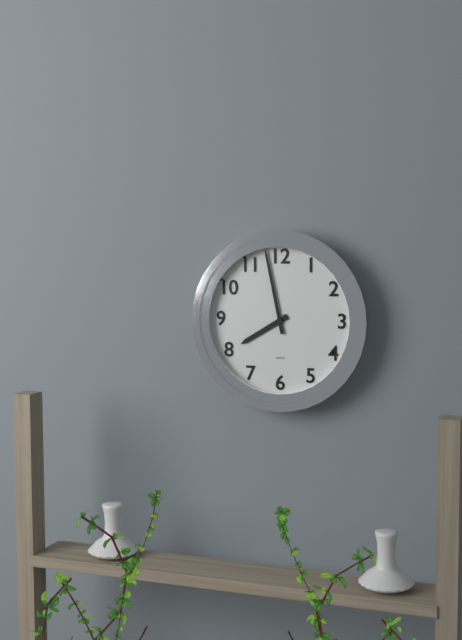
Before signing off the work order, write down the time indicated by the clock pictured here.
7:58
